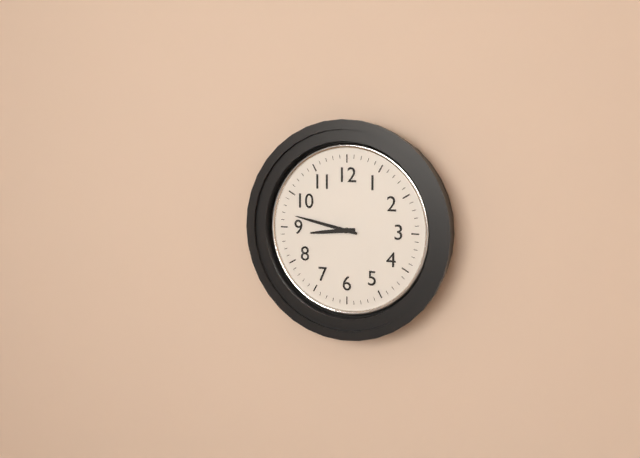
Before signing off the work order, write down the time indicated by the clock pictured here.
8:47
